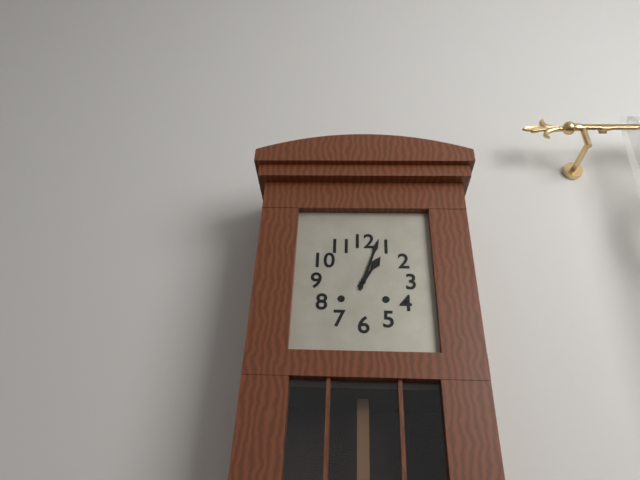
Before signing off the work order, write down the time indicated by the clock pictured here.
1:03
